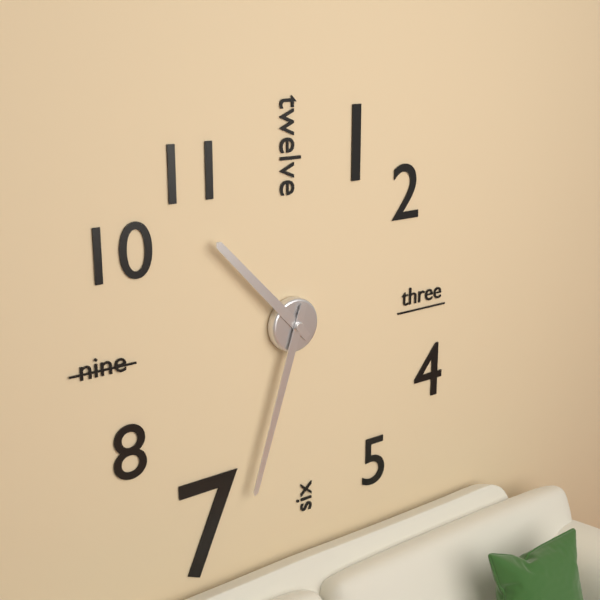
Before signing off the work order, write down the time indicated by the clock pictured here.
10:33
